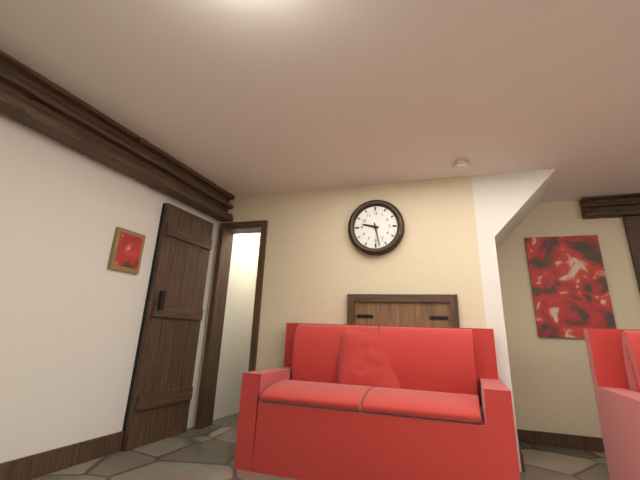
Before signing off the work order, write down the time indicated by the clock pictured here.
9:28
